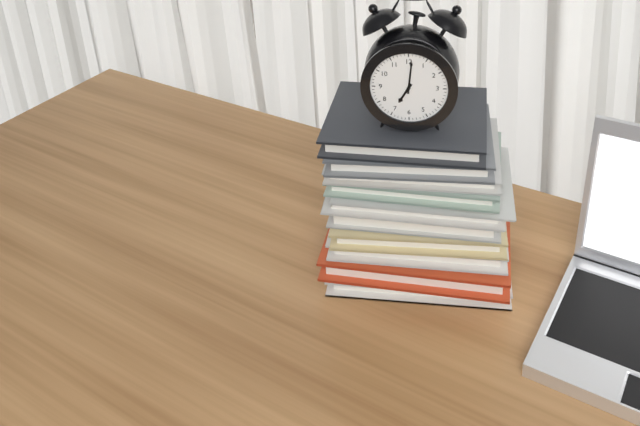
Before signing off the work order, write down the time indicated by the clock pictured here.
7:01
